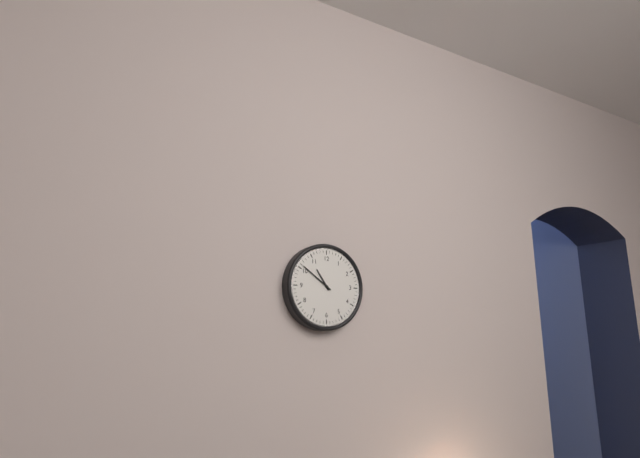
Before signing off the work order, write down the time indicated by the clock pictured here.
10:51
